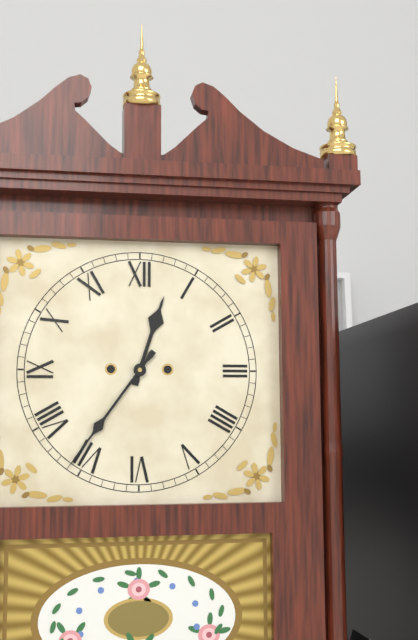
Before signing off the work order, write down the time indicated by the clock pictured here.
12:36
